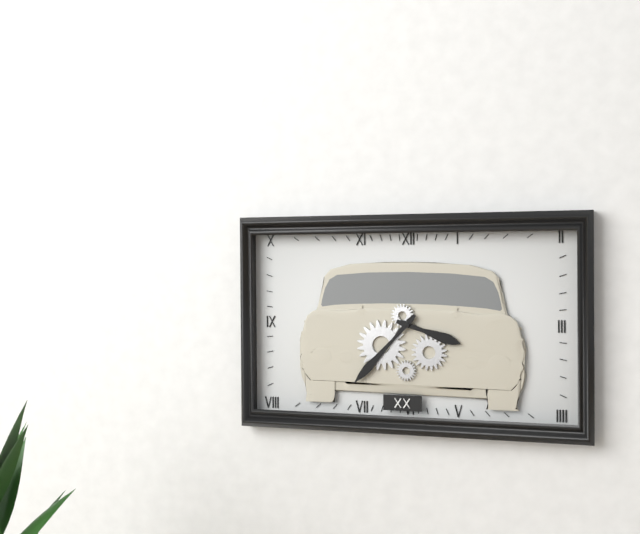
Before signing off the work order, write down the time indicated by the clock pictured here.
3:37
